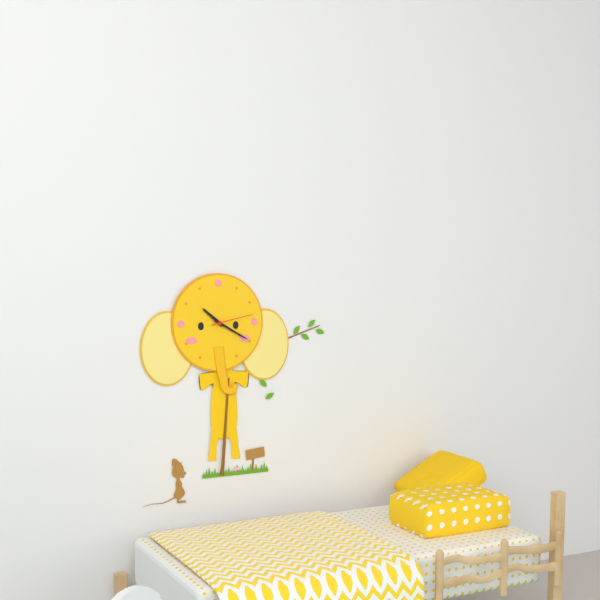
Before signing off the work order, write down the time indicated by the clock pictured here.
10:20
